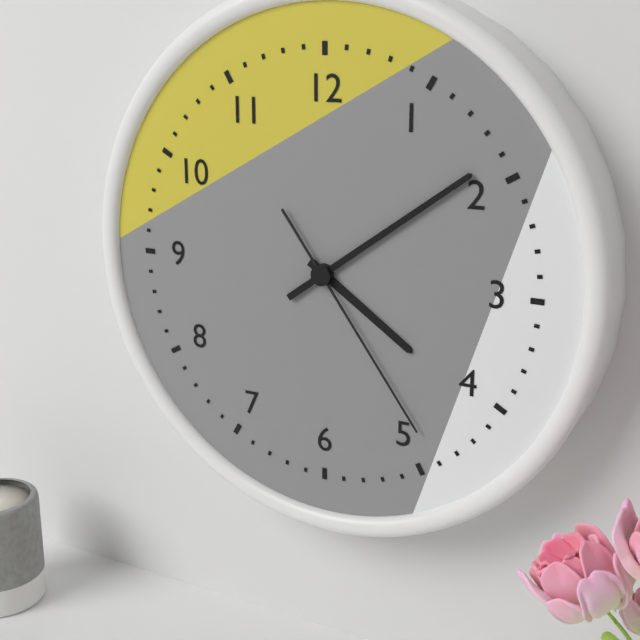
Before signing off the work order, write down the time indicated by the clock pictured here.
4:09:24
